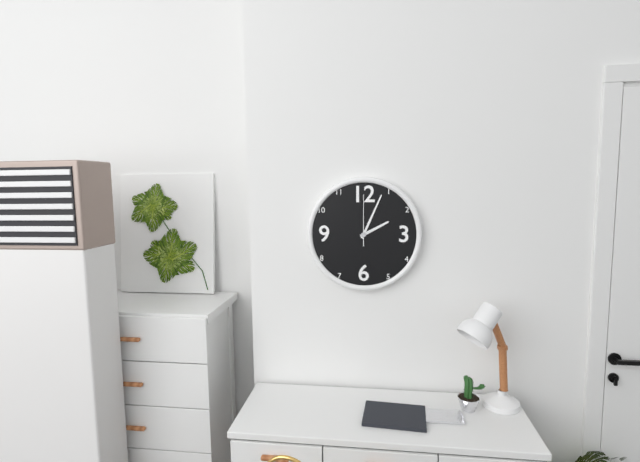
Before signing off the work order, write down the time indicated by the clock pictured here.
2:04:00
